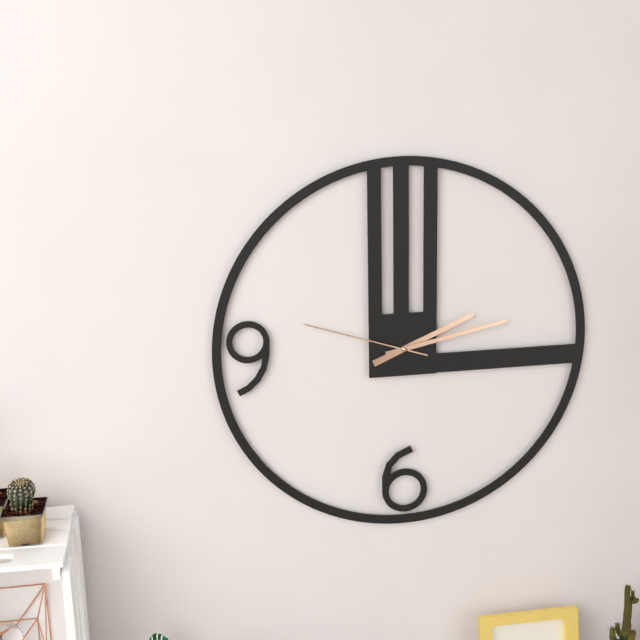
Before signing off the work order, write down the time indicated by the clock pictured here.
2:13:48
